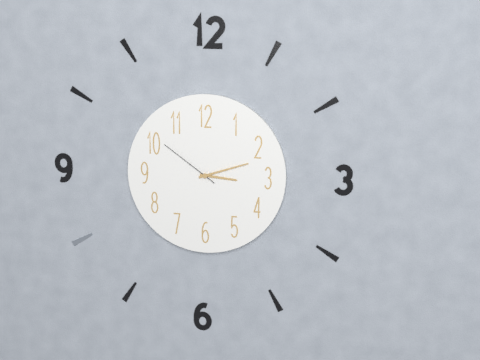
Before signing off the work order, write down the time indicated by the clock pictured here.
3:12:51
